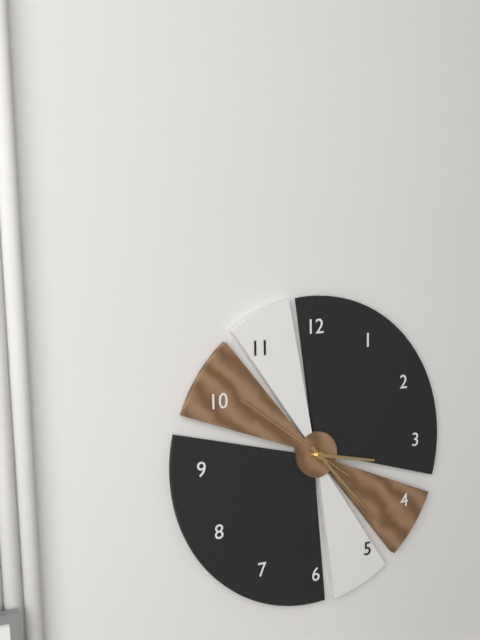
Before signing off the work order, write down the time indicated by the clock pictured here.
3:23:51
